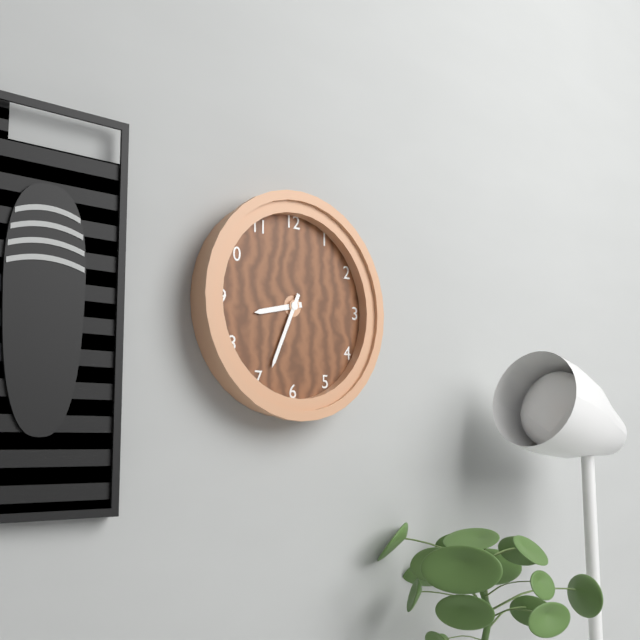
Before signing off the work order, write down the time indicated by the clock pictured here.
8:34
